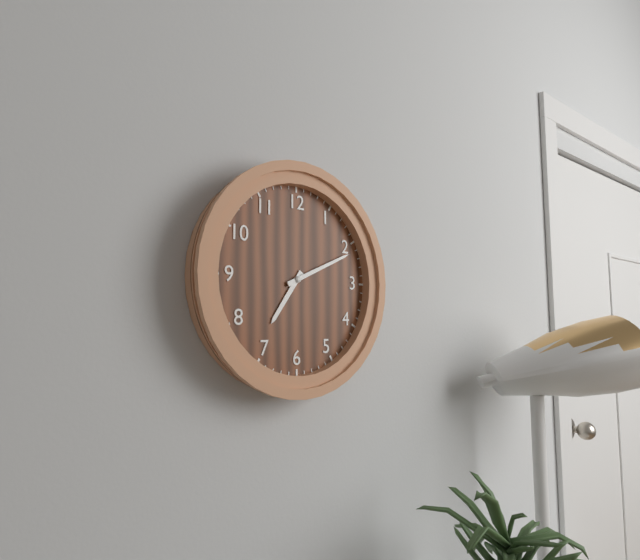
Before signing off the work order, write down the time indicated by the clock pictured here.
7:11
